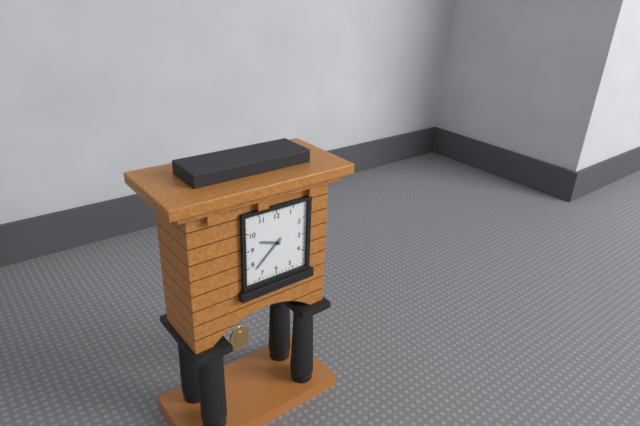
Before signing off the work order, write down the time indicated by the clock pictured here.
9:38
